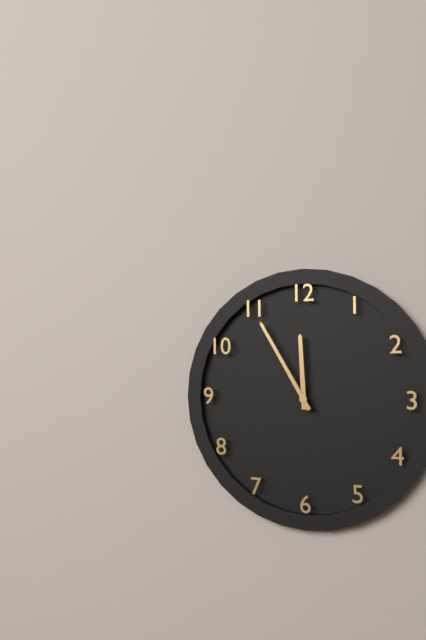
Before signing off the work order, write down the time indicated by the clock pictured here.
11:55
